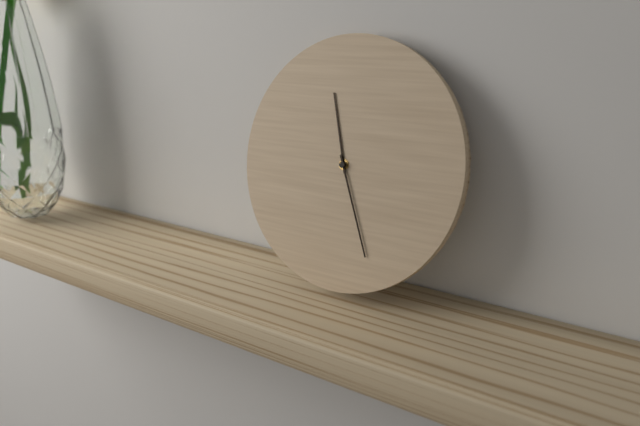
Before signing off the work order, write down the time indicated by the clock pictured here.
11:26
